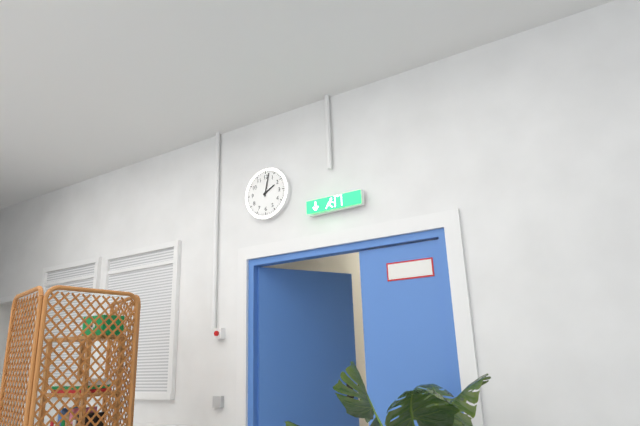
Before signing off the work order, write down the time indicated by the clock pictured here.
2:02
